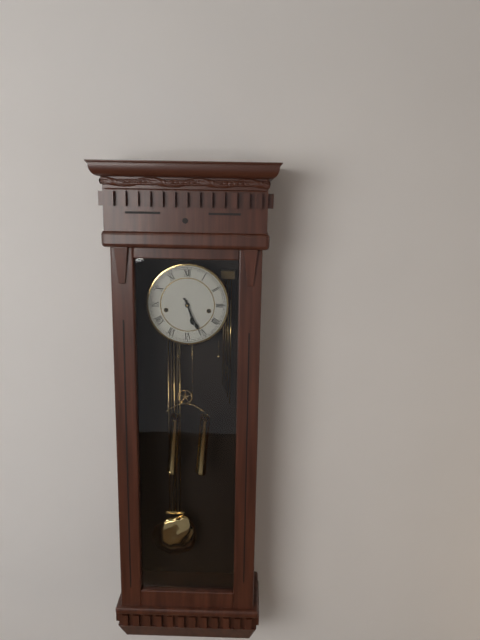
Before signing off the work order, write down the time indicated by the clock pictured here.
5:26
